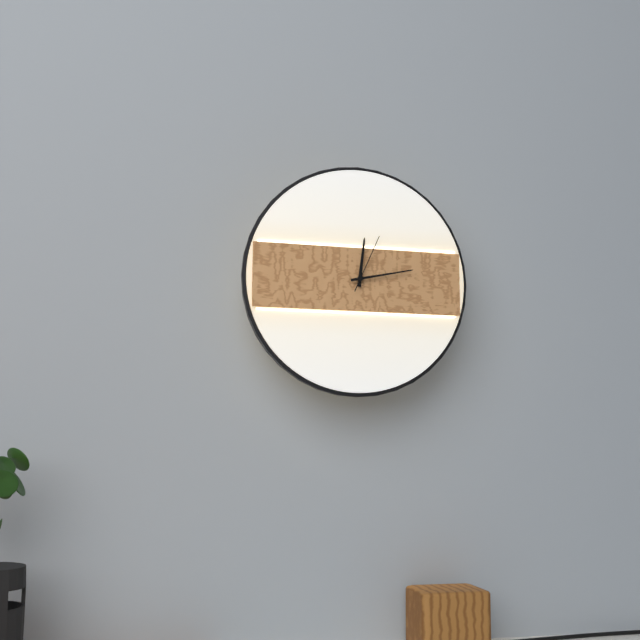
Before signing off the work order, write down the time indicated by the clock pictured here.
12:13:04
